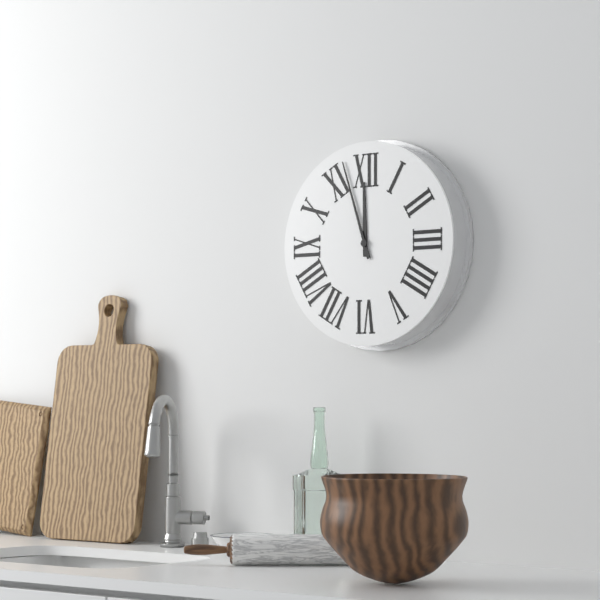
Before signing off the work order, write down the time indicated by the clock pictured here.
11:57
